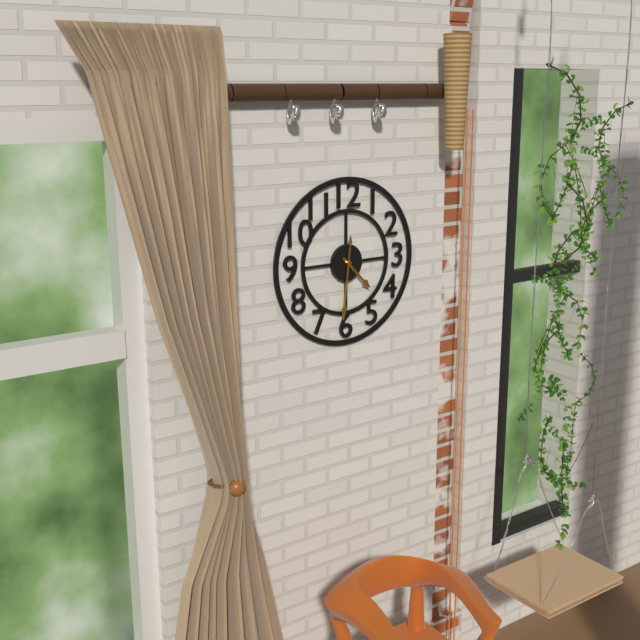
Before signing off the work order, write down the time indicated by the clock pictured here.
4:31
